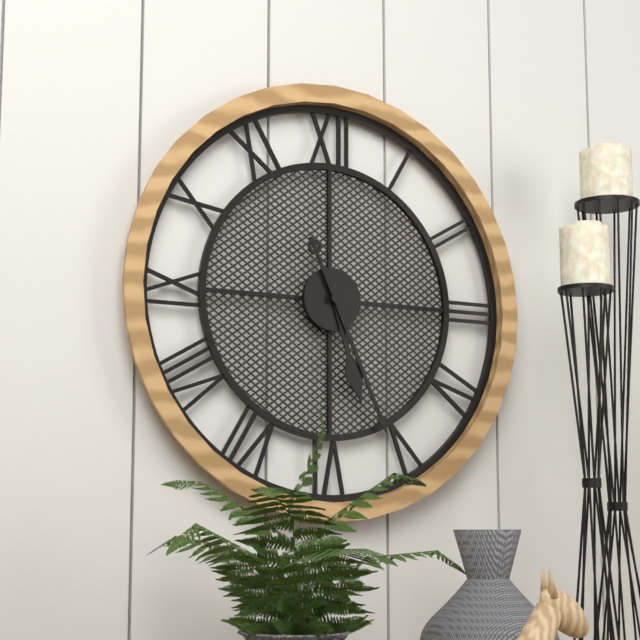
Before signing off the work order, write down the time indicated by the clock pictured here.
5:26
